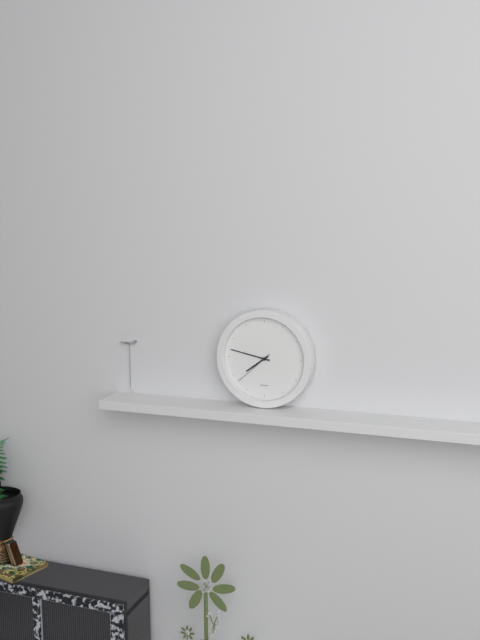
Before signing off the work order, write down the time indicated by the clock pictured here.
7:47
